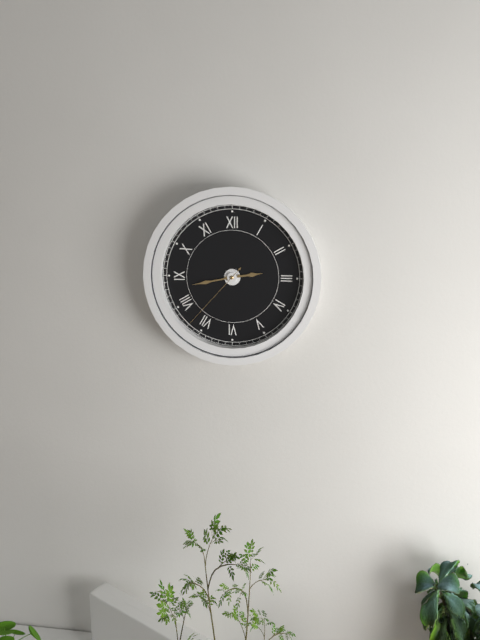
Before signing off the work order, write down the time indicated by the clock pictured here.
2:43:37
